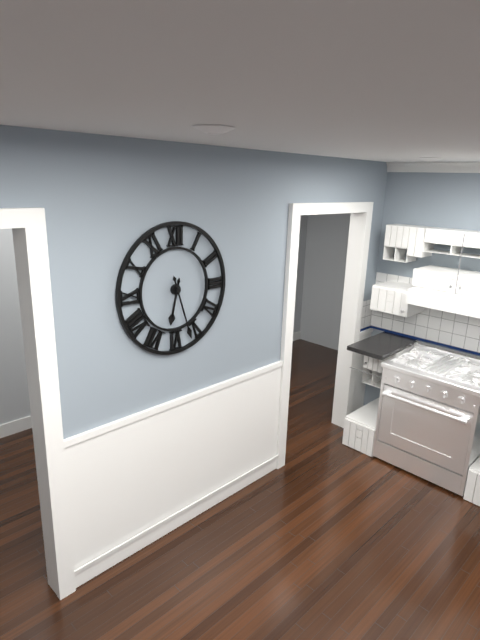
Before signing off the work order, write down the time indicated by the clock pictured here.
6:27
